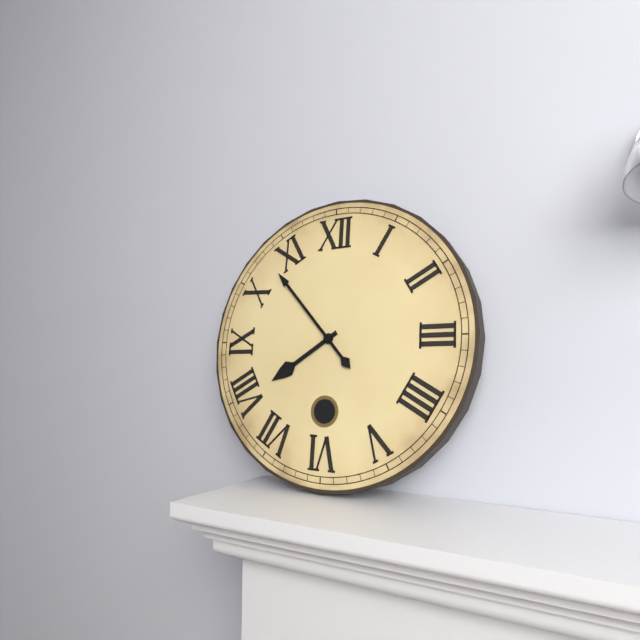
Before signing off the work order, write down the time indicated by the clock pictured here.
7:53
